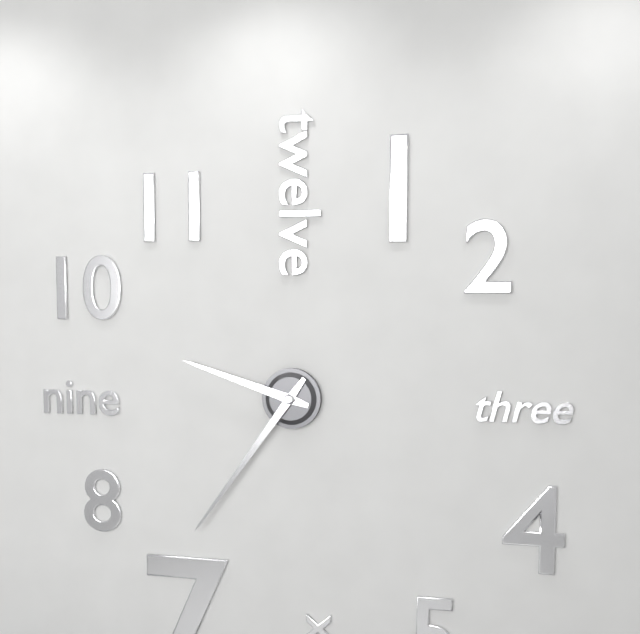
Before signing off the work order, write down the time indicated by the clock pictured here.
9:36
